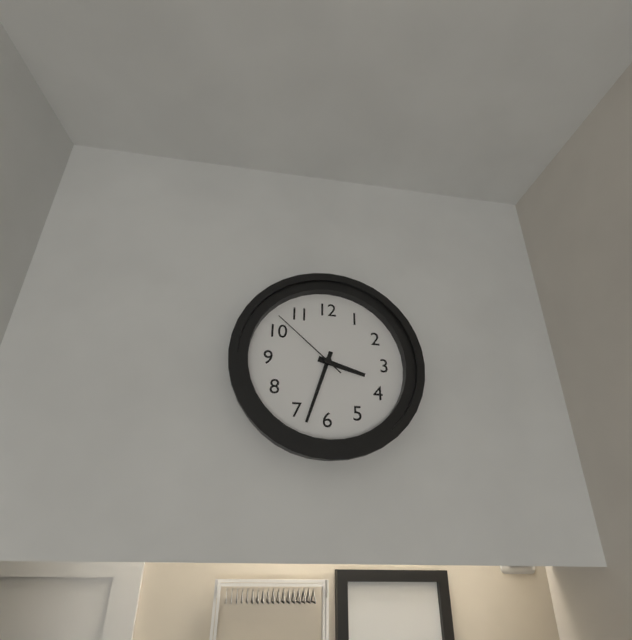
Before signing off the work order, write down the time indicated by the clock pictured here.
3:33:52
